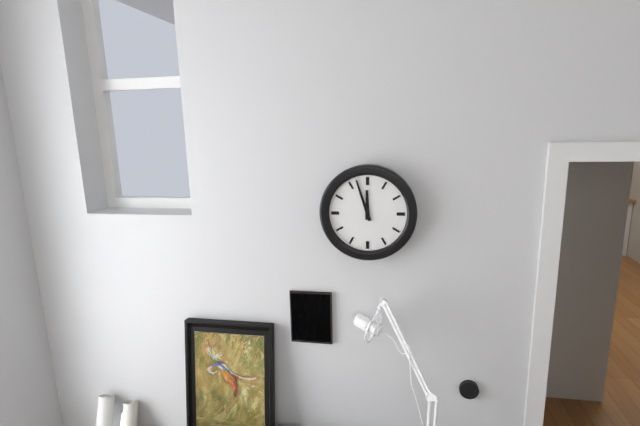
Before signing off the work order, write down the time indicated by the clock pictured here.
11:57
